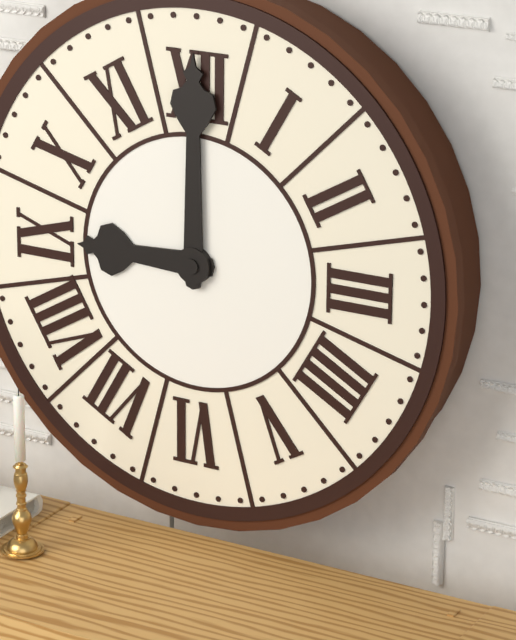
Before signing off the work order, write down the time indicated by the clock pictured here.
9:00
